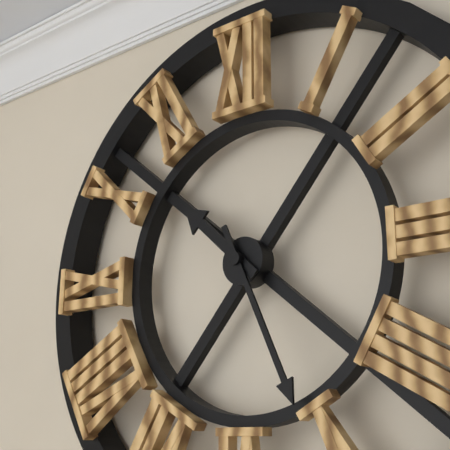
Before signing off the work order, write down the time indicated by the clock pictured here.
10:26
